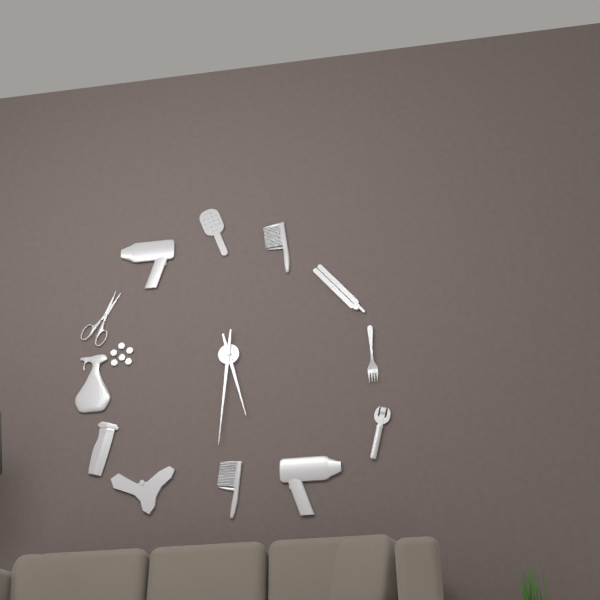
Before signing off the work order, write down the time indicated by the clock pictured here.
5:31
